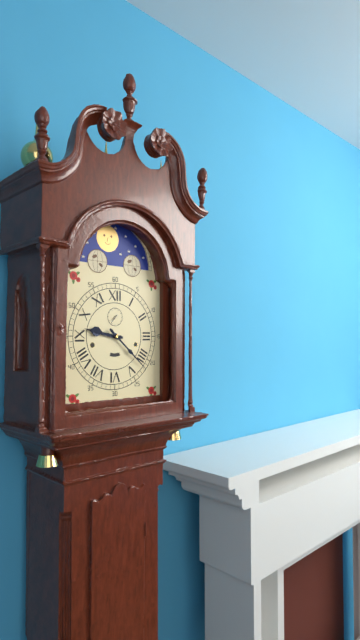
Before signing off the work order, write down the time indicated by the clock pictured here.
9:22
